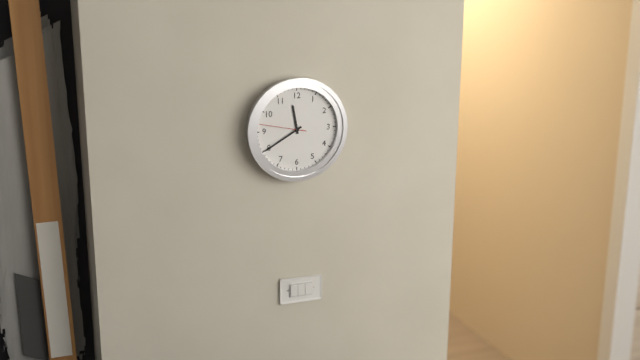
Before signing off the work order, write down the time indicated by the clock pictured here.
11:40
